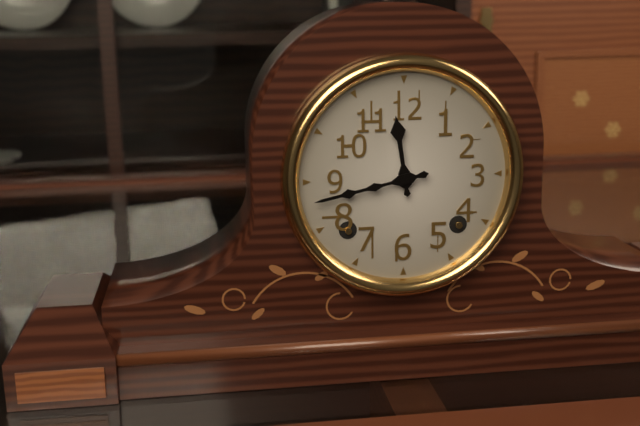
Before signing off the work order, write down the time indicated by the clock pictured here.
11:43
